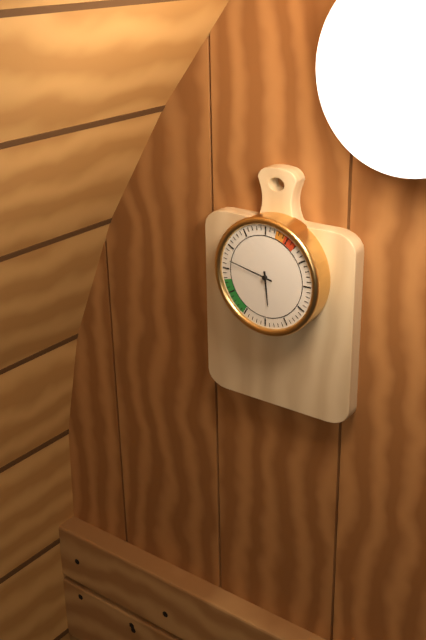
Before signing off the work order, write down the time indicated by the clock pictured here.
5:47
